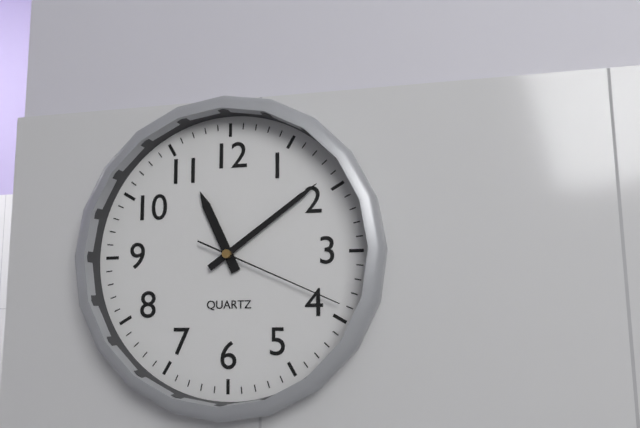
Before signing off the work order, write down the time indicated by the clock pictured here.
11:09:19
